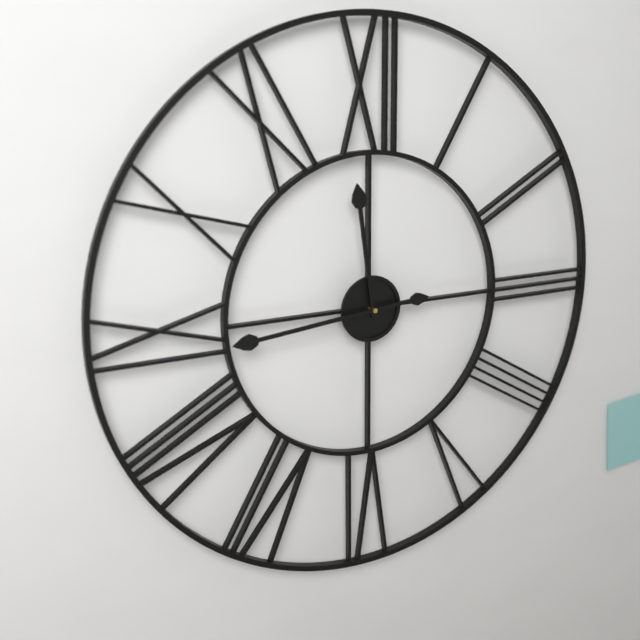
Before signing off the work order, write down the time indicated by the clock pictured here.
11:44
